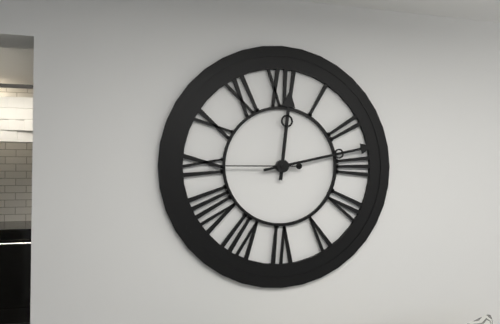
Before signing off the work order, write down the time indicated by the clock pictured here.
12:13:45
